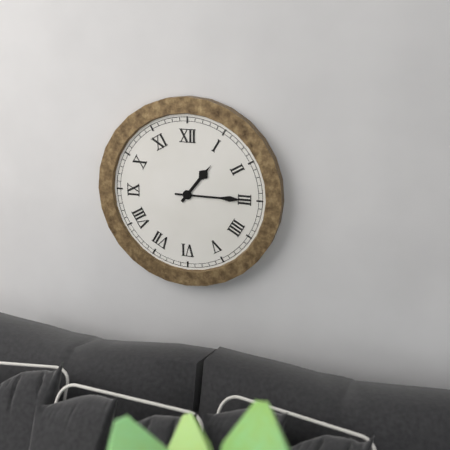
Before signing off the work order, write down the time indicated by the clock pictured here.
1:15
